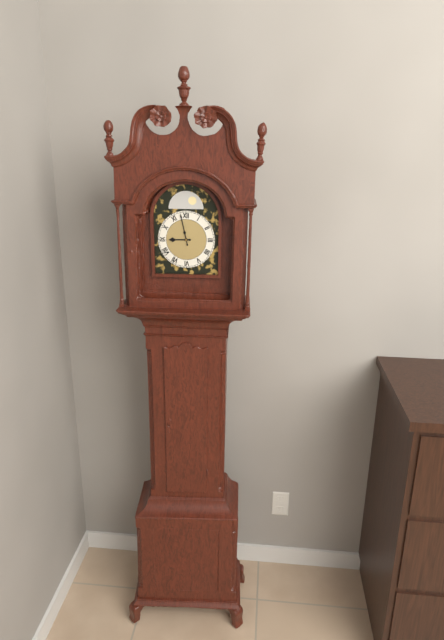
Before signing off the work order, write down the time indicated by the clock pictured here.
8:58
